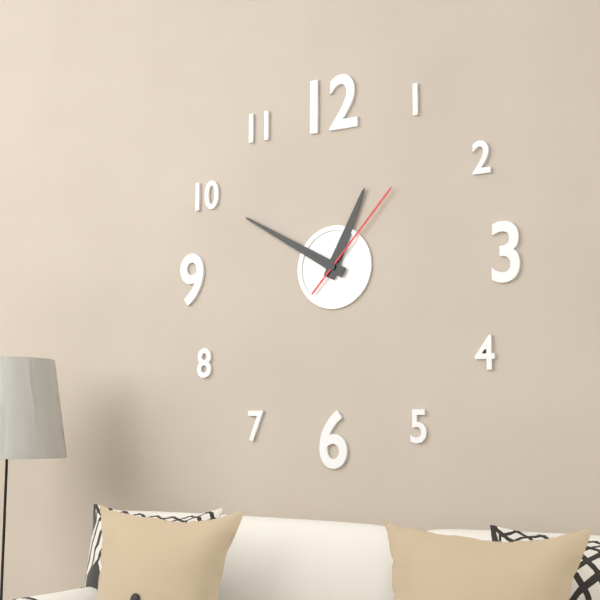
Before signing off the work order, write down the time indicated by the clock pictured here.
12:50:07
